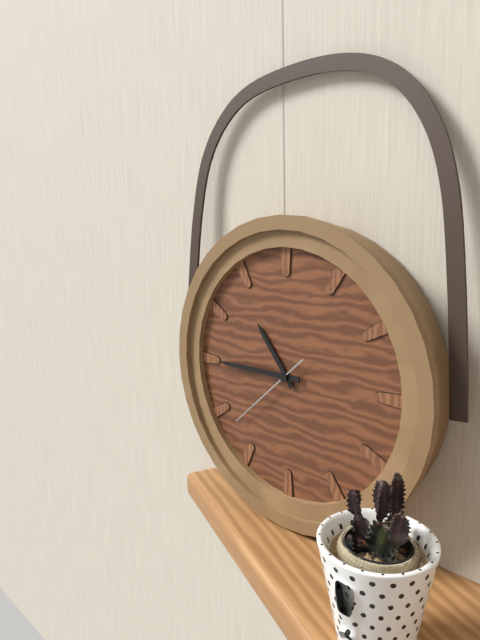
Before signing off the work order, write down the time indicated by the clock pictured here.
10:45:38
